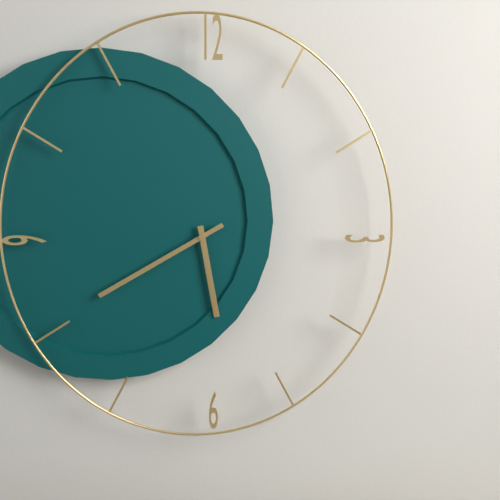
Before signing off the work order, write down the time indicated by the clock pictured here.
5:40
